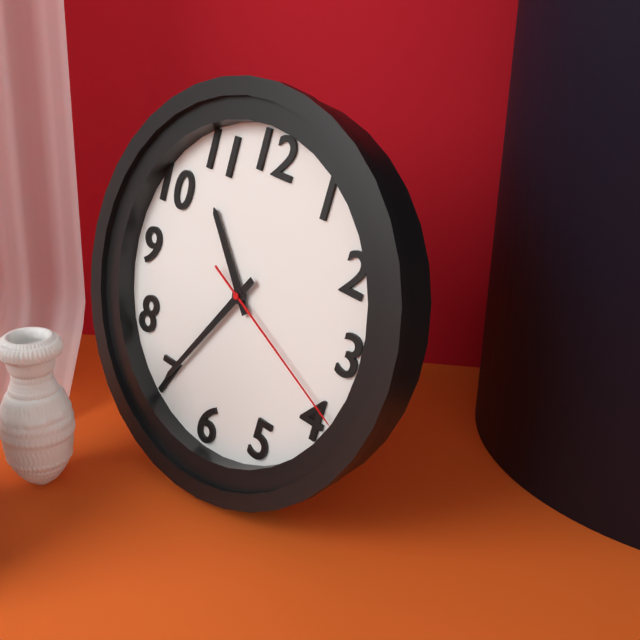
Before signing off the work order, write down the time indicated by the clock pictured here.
10:35:19
